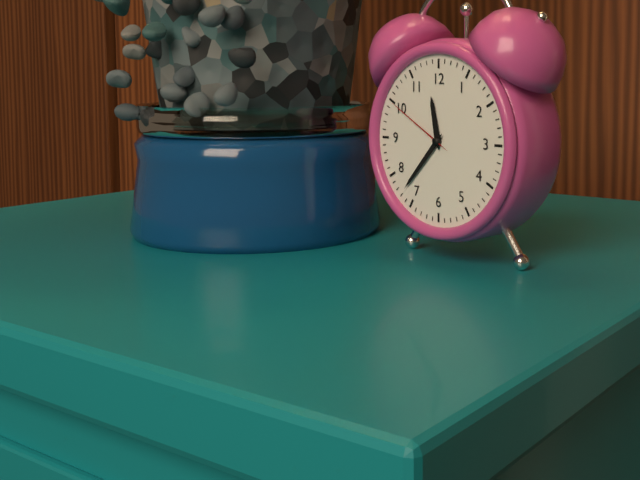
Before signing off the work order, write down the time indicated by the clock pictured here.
11:37:50
